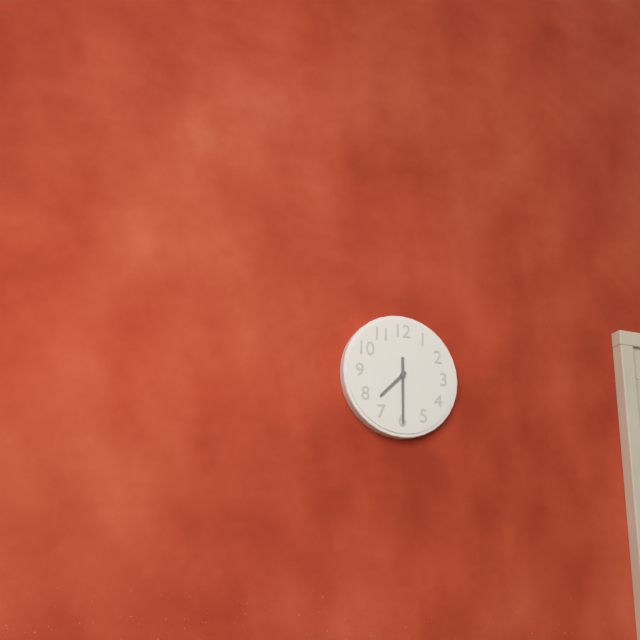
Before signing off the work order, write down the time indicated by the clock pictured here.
7:30
